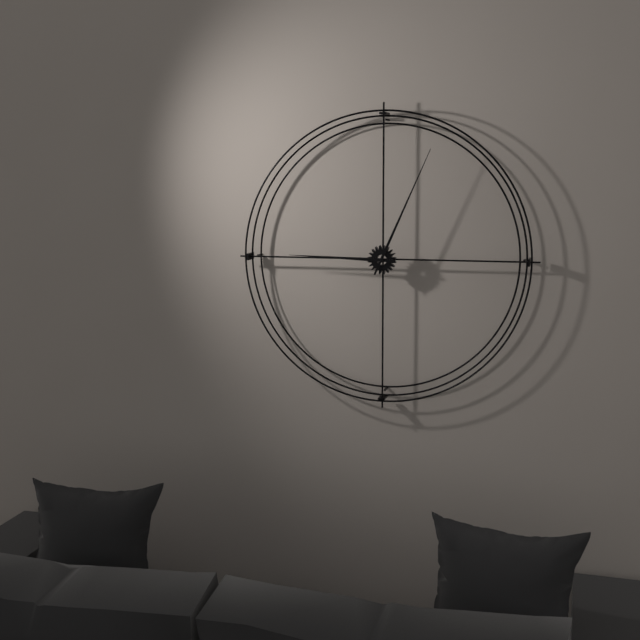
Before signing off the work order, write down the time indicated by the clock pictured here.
9:04
